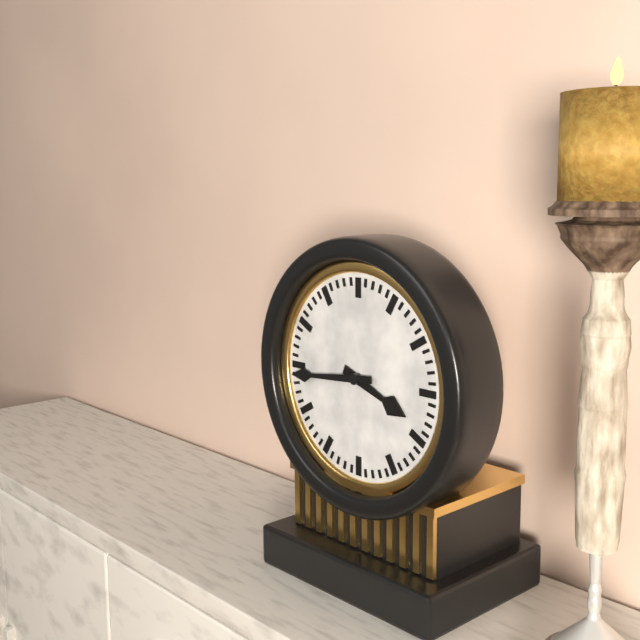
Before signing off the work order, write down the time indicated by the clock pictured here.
3:44
